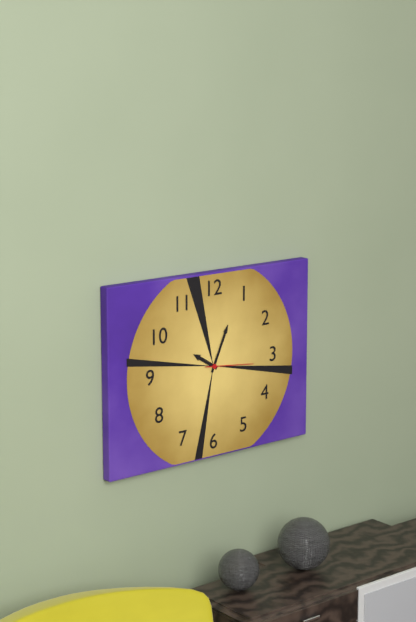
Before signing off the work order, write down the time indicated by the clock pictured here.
10:04:16
